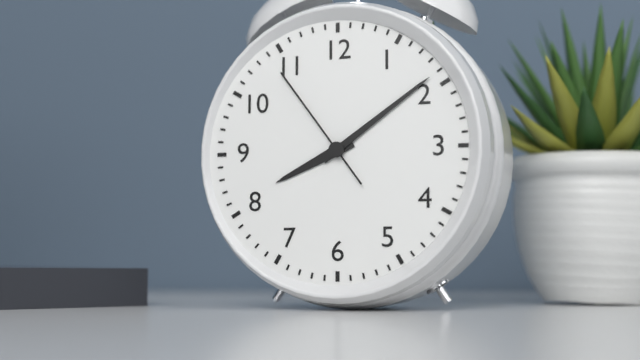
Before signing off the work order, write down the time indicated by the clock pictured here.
8:09:54
